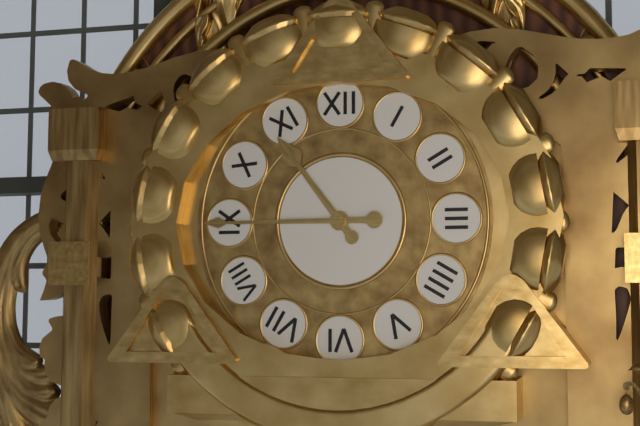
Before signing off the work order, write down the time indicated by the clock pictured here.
10:45
